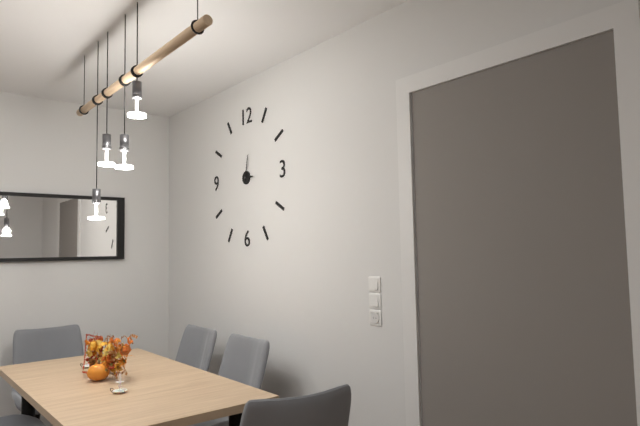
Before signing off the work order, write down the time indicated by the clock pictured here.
3:02
